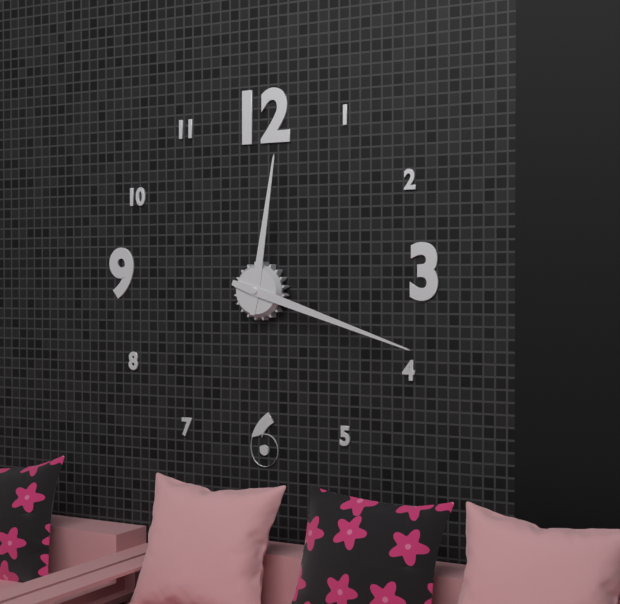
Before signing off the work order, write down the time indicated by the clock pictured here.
12:18
